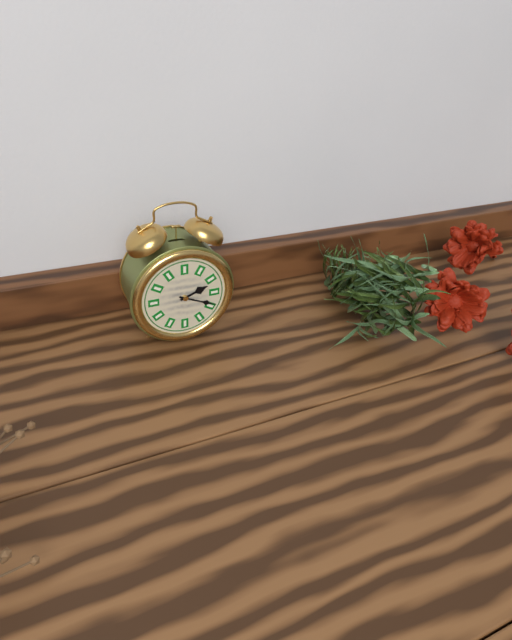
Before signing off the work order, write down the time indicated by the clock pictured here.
2:19
